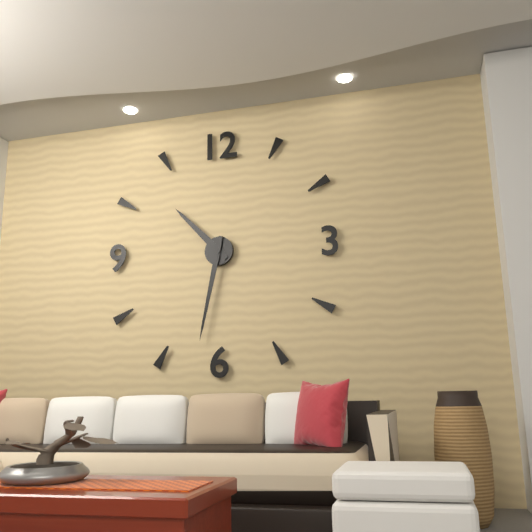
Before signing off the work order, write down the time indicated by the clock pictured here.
10:32
